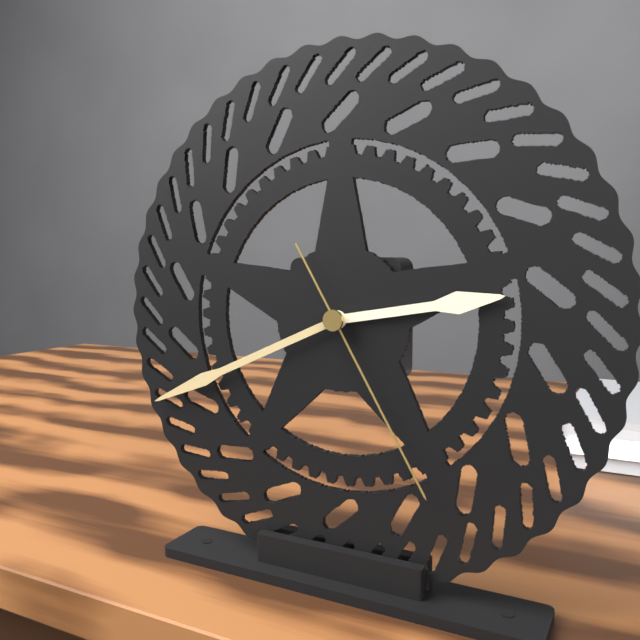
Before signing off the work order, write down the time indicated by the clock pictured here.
2:41:25
